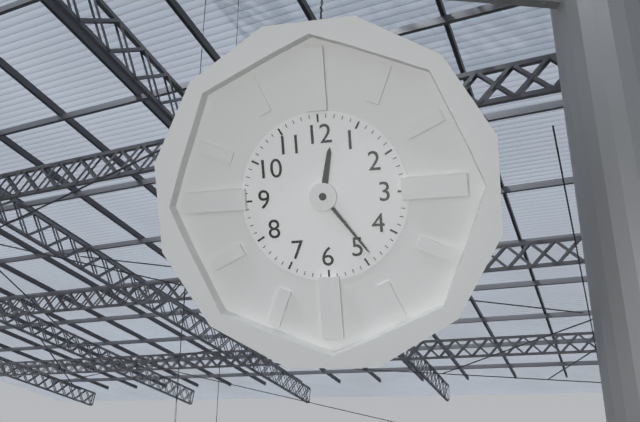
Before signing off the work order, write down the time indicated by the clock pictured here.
12:24
